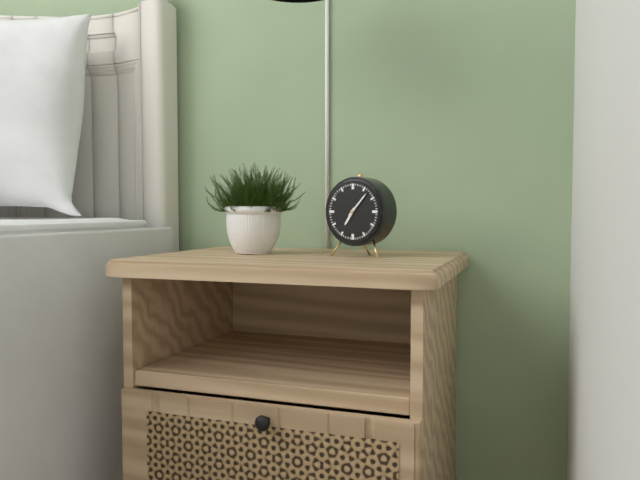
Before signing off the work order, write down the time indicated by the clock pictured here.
7:07
